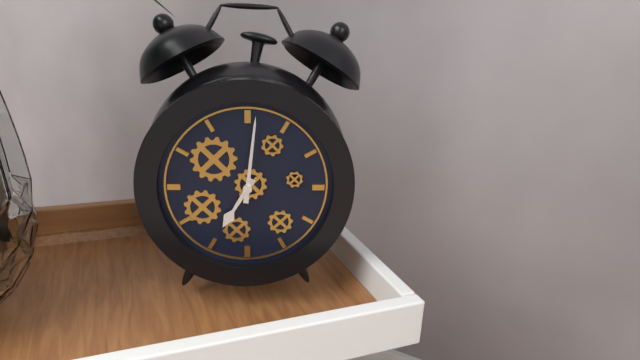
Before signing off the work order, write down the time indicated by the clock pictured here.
7:01
